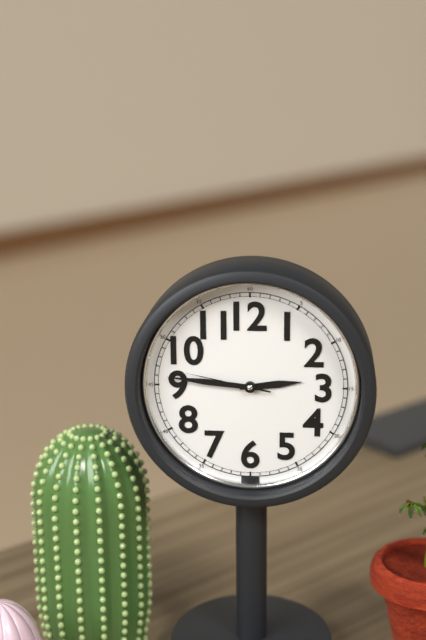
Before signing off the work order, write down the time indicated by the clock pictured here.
2:46:47
